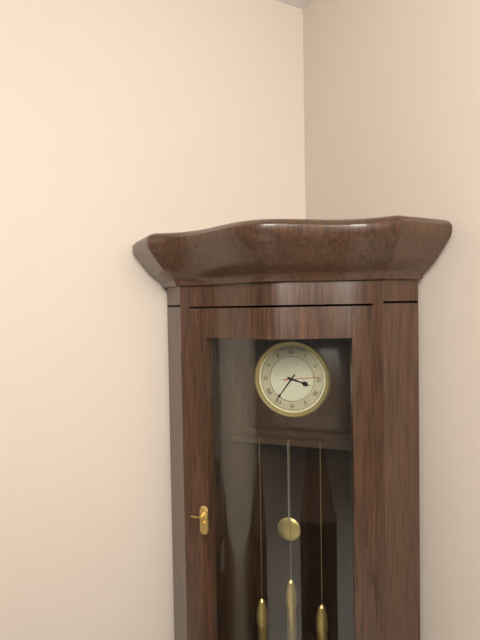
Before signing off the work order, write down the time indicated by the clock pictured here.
3:36
